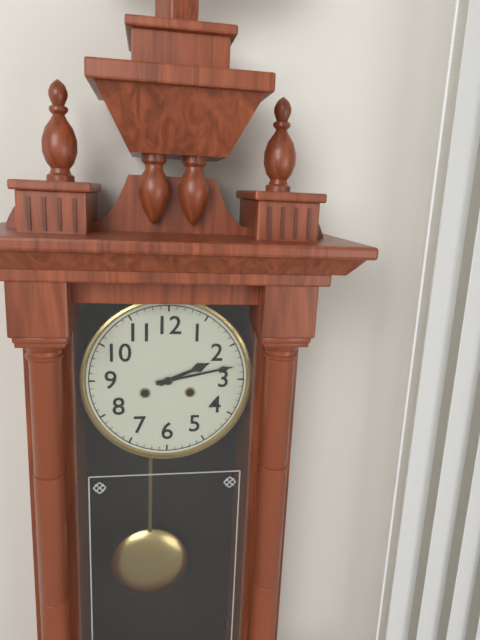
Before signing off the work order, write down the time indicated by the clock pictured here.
2:13
